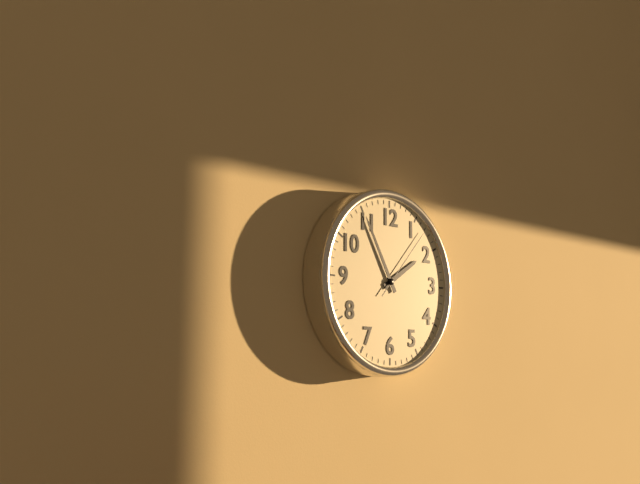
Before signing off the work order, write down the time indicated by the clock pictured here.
1:55:07
